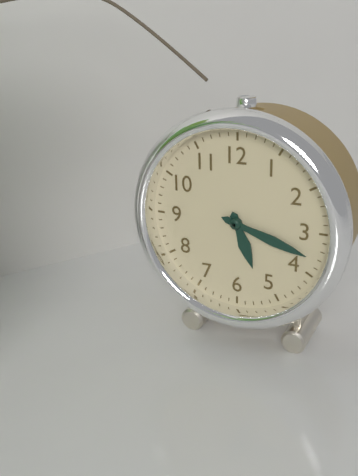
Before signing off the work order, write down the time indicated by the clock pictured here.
5:18
